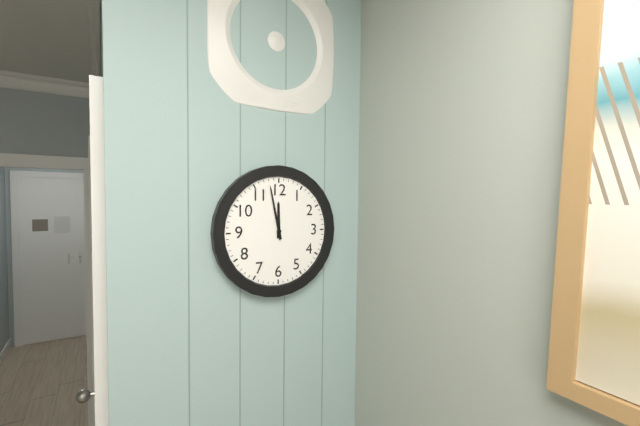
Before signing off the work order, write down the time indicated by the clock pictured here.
11:58
